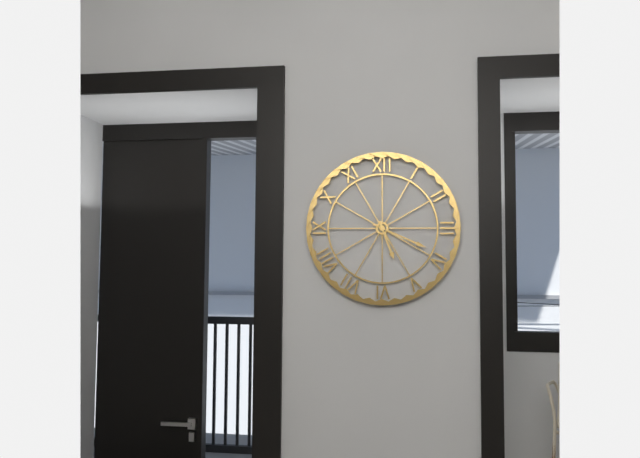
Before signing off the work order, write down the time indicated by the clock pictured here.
5:19
